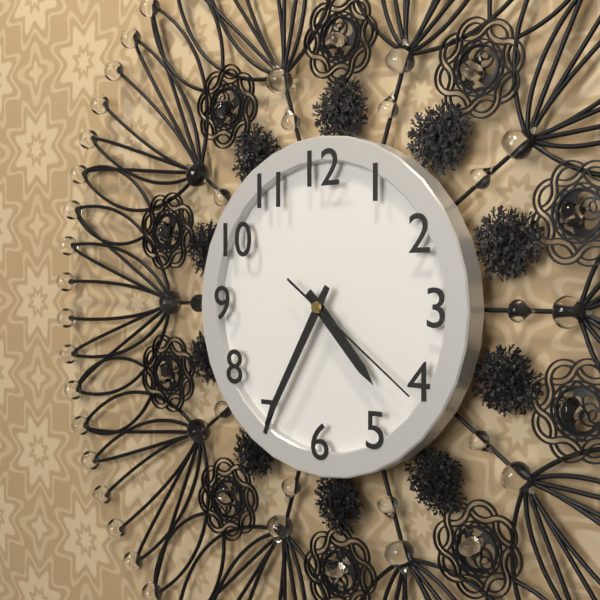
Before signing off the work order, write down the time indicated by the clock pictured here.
4:35:21
